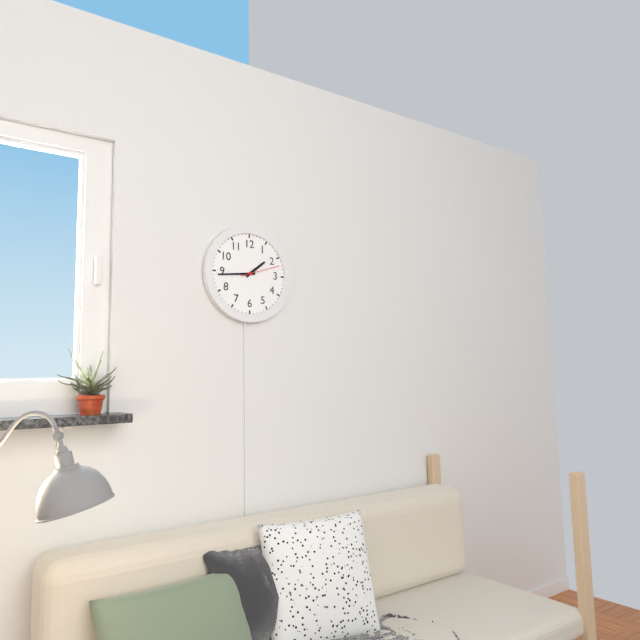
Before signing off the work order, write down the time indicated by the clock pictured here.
1:44
